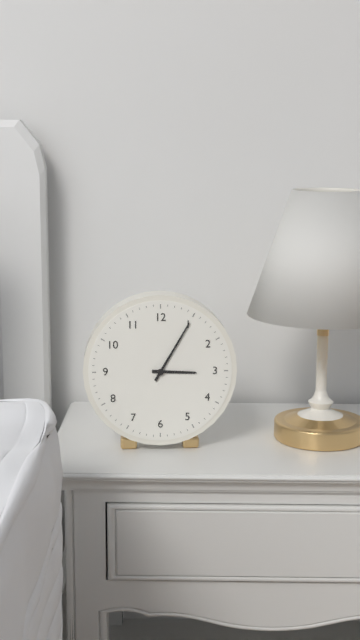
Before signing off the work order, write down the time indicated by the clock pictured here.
3:05
